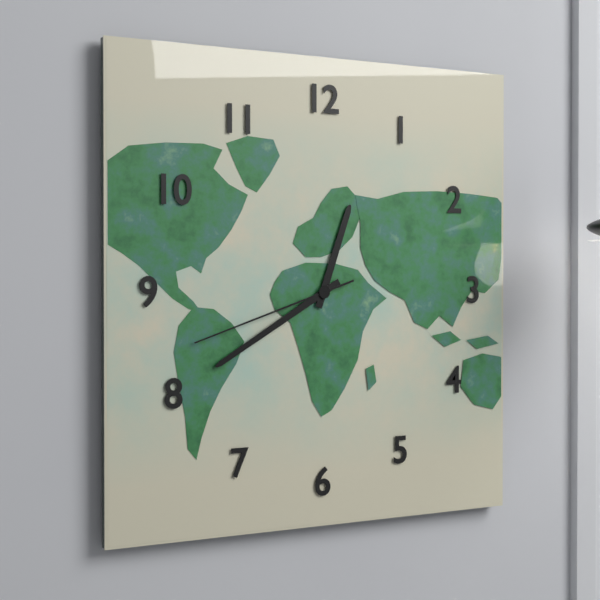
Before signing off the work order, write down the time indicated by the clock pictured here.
12:40:42
